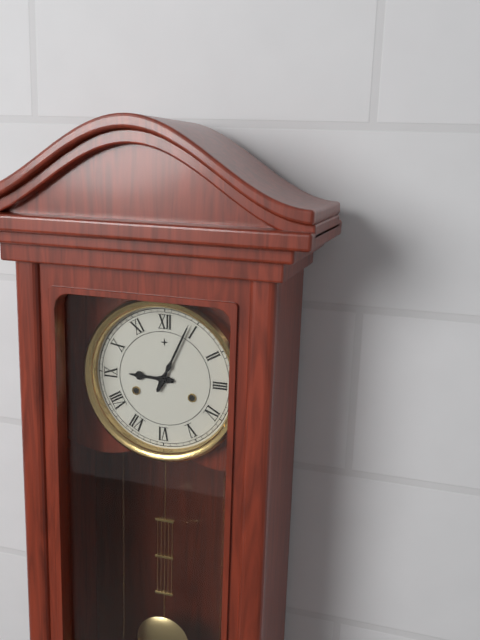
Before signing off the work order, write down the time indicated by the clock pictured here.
9:04
